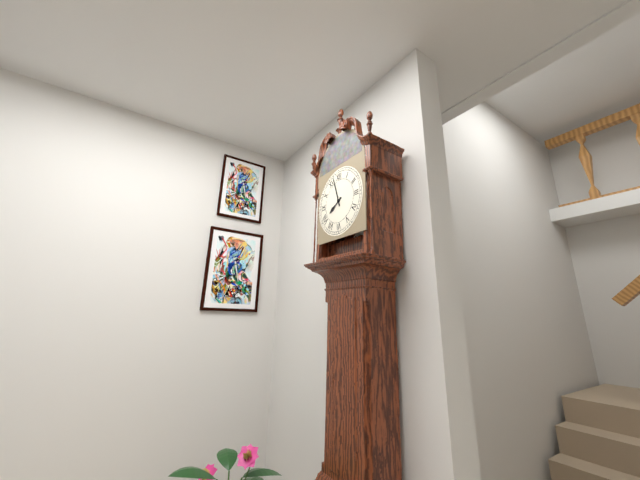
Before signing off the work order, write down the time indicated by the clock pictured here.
7:57
